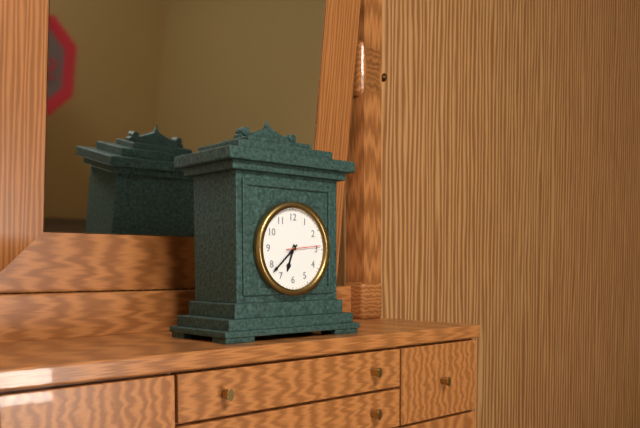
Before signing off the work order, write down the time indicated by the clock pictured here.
6:38
